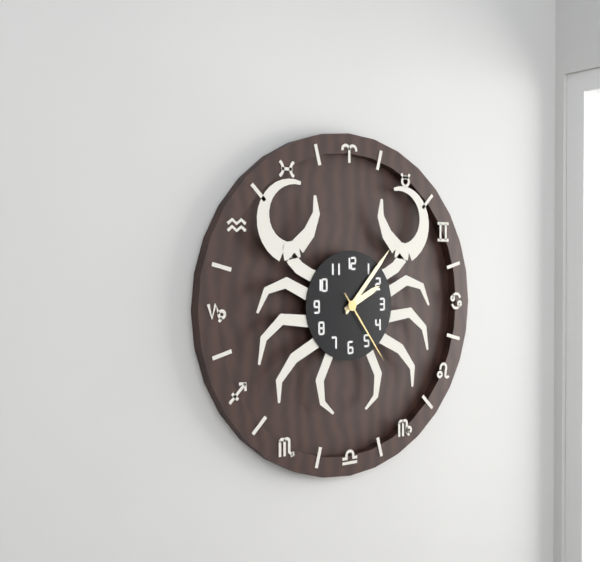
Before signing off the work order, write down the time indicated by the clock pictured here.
2:07:24
